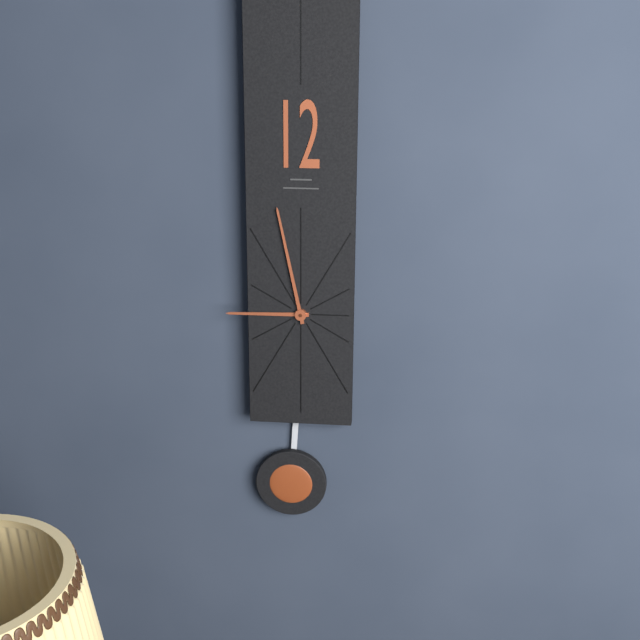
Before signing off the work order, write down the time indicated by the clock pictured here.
8:58
